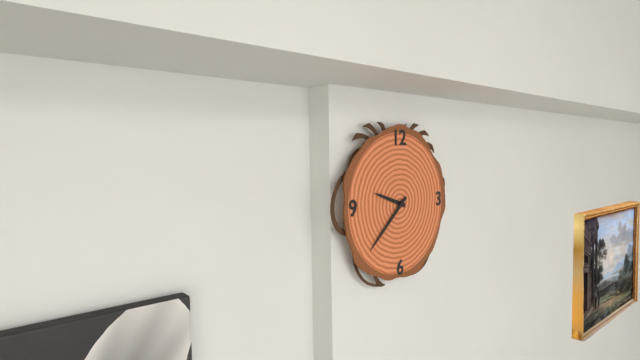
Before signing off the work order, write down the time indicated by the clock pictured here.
9:38
